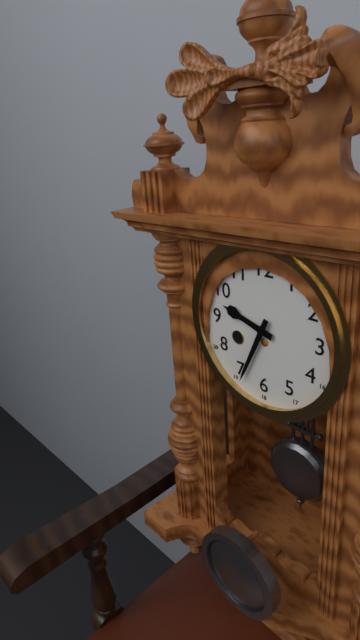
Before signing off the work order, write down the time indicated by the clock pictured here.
9:34
